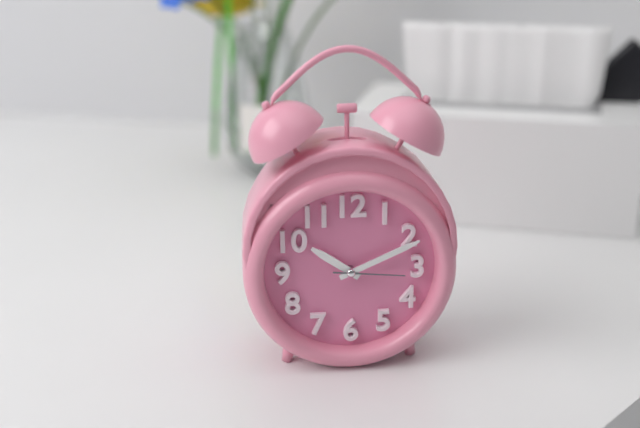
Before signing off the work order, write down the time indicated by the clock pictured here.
10:11:16
